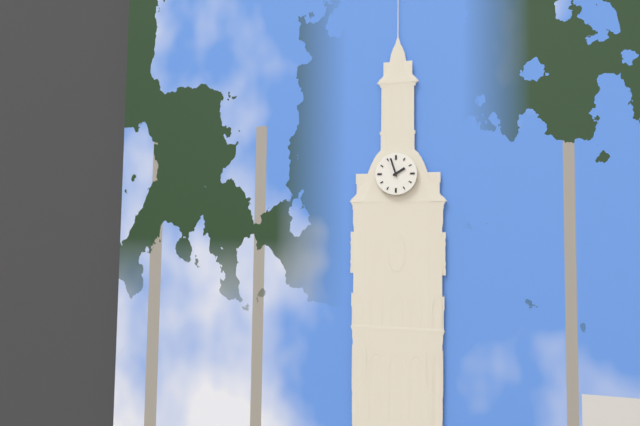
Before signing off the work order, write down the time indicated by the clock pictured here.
1:57
